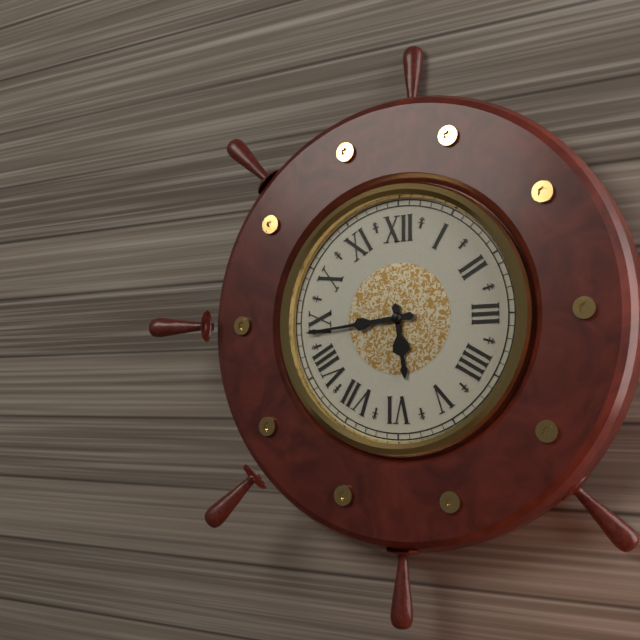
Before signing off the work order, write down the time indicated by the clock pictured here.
5:44
